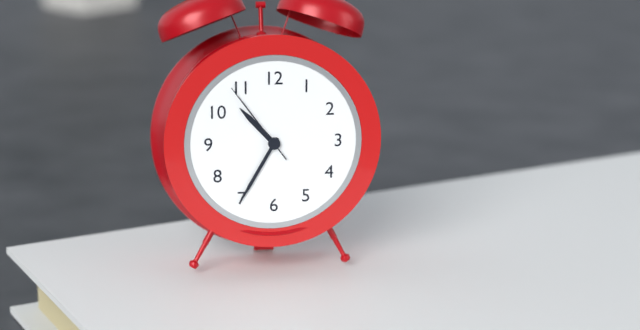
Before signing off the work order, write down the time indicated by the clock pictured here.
10:35:54
